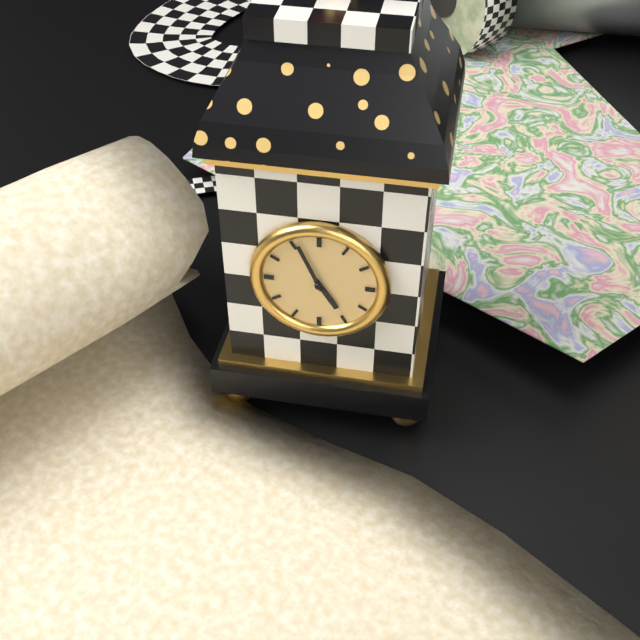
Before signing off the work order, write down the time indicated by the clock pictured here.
4:56
